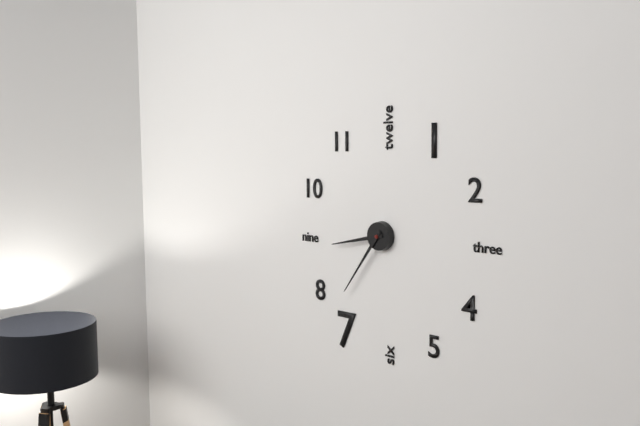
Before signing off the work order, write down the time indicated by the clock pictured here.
8:36
